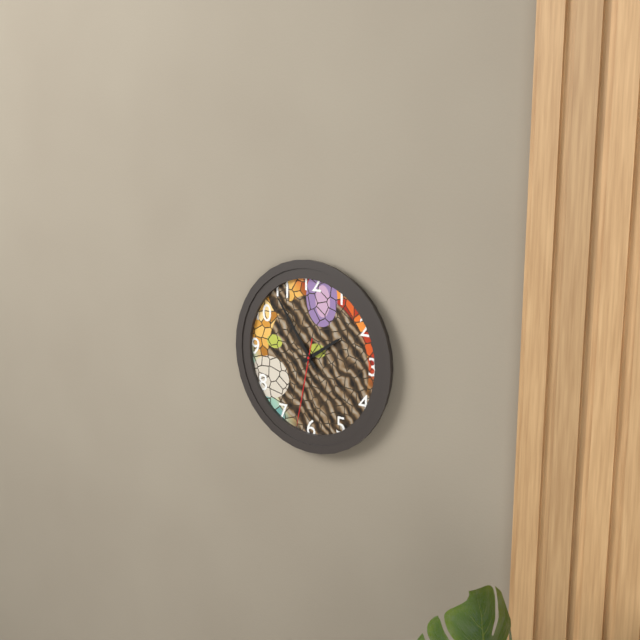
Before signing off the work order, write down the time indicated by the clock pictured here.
1:54:32
